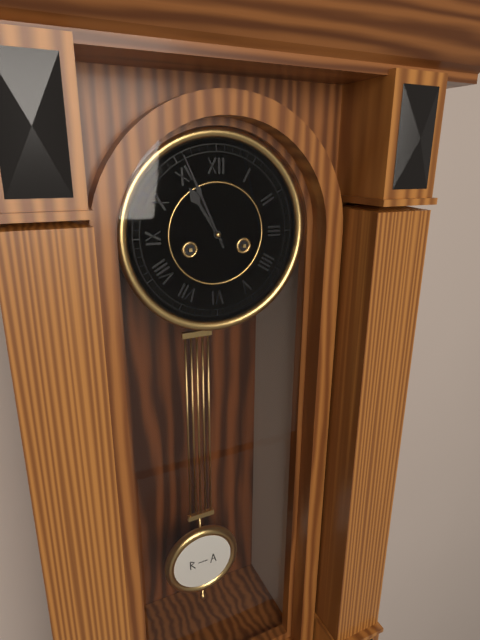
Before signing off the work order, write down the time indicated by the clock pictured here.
10:56
